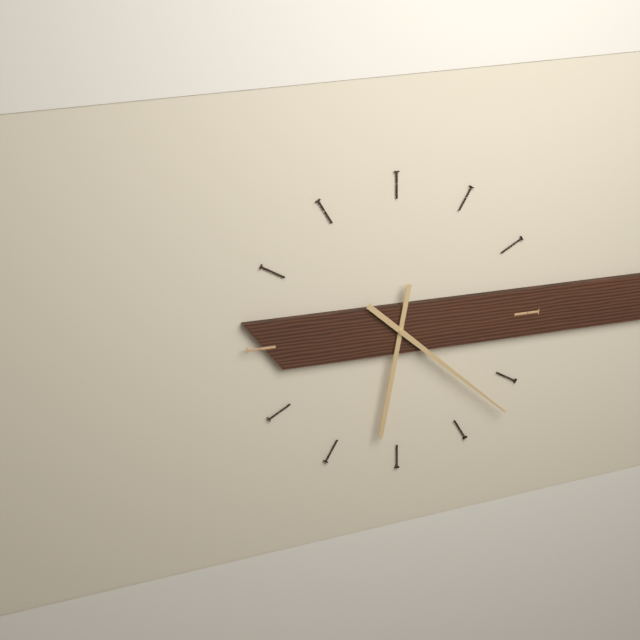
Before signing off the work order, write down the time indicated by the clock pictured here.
6:22
